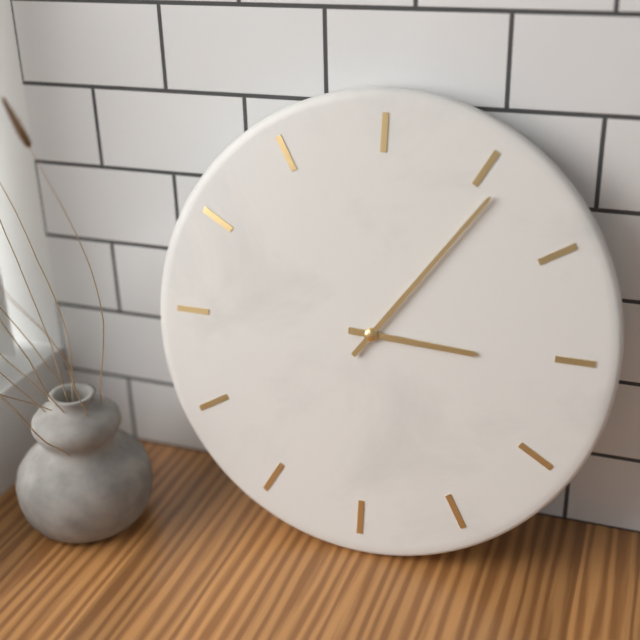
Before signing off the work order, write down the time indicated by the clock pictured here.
3:06
